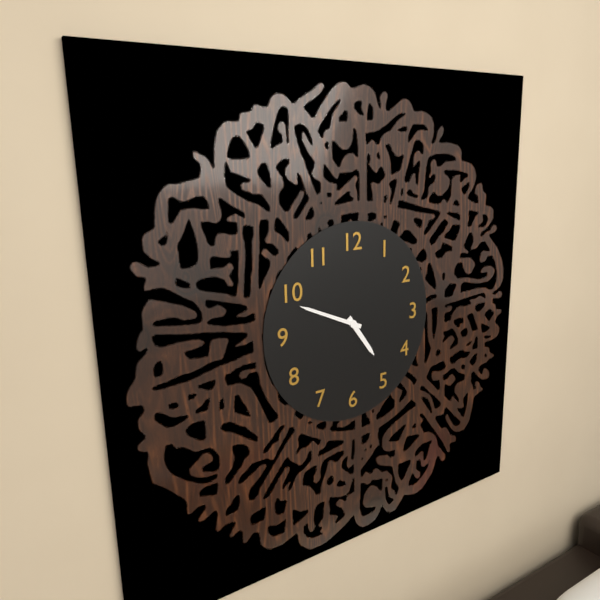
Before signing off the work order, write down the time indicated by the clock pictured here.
4:49
